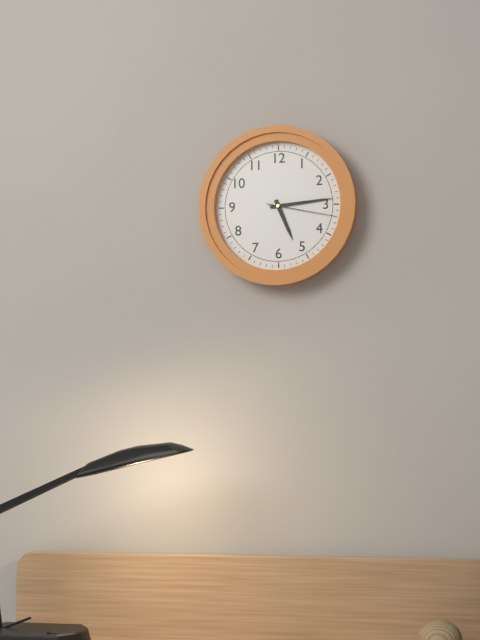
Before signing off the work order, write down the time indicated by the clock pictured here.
5:14:17
